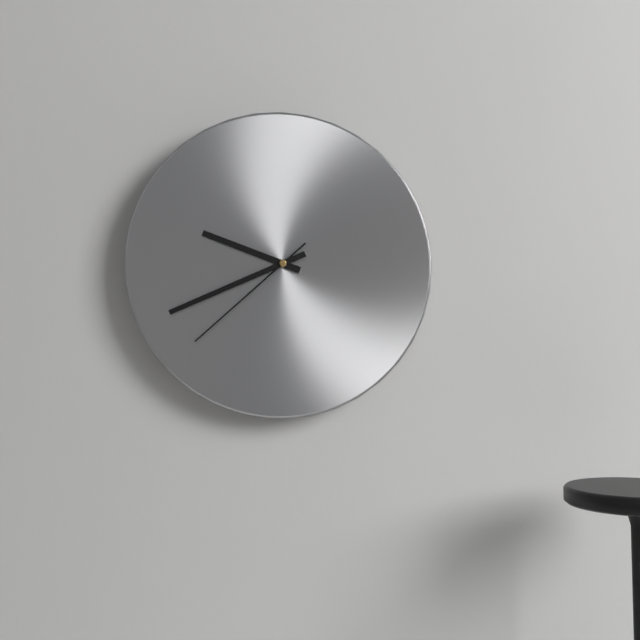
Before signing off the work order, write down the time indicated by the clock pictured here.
9:41:38
